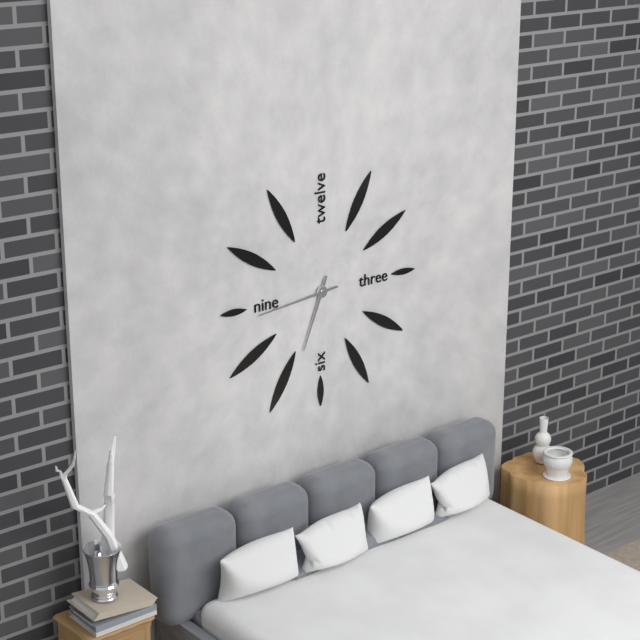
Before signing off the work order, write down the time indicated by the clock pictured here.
6:44
